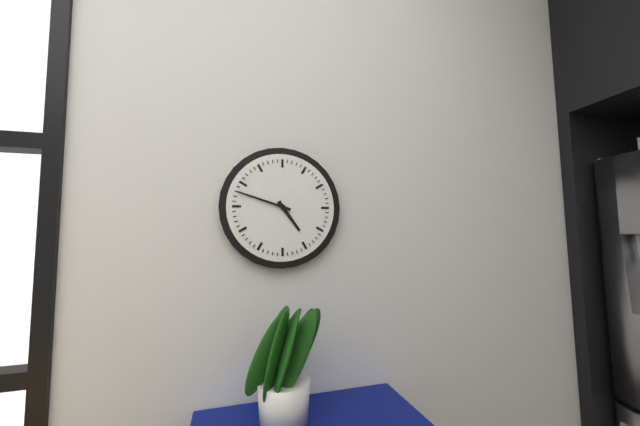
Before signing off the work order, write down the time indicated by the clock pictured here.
4:48
